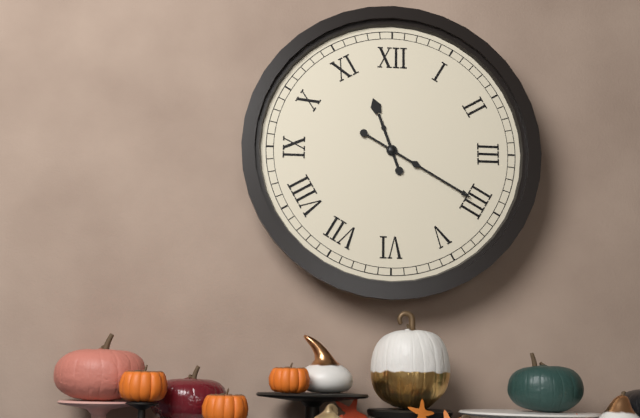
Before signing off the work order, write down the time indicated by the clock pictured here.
11:20
